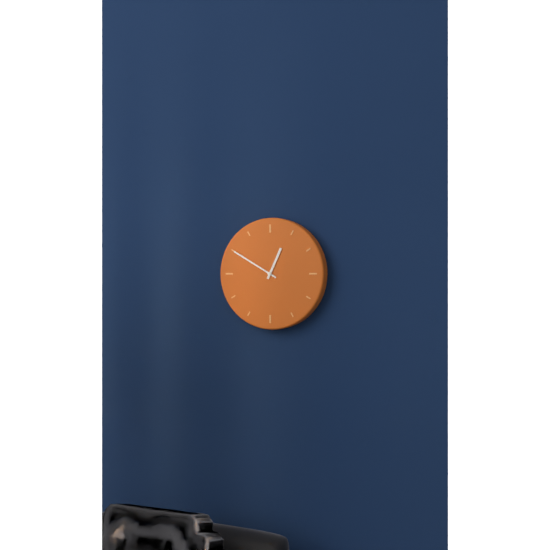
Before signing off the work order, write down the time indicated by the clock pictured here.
12:50
